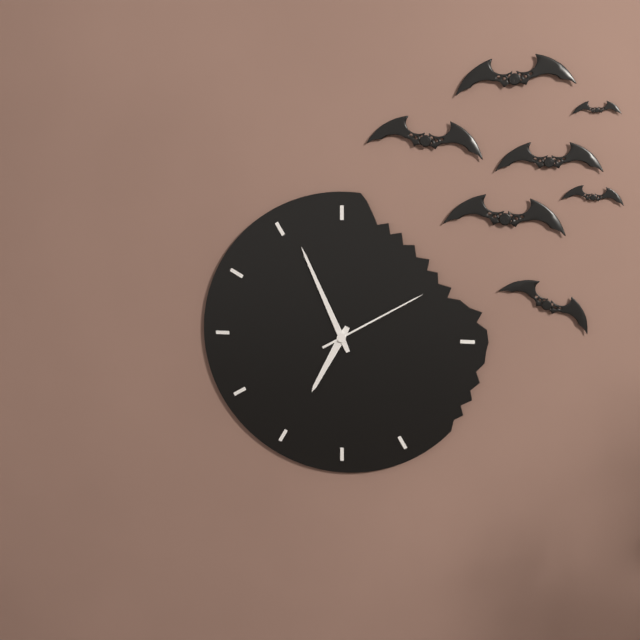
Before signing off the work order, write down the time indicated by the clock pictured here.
6:56:10
